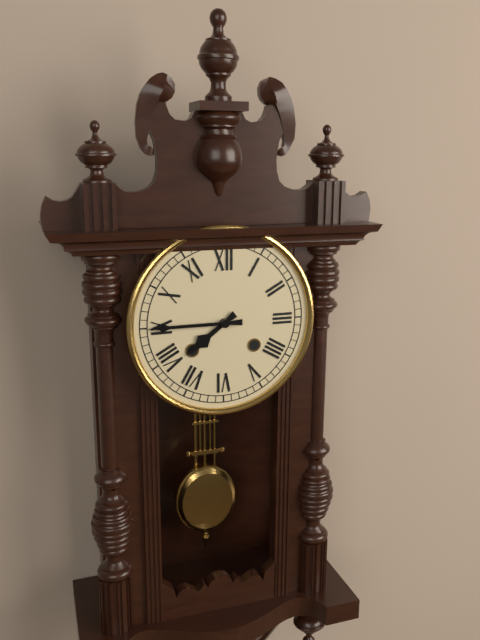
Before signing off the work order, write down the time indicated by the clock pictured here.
7:45
